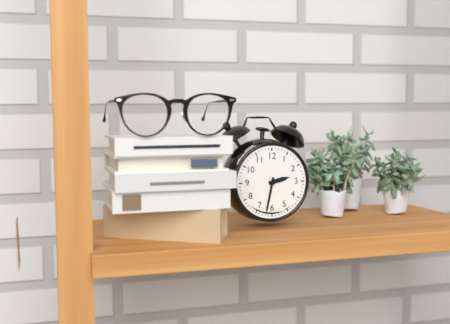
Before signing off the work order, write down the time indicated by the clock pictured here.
2:32
